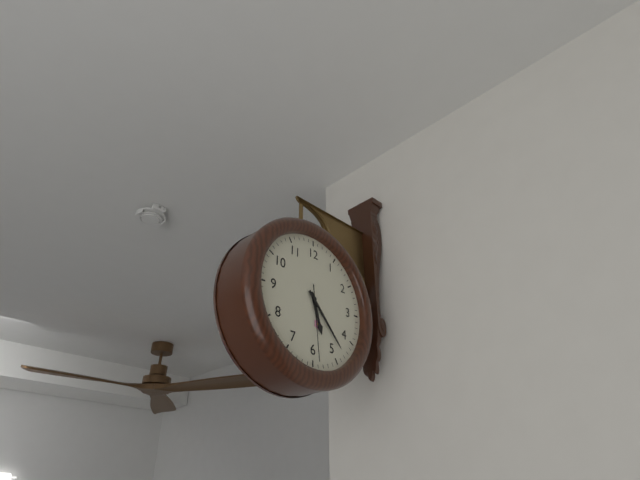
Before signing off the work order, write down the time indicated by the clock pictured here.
5:23:29
